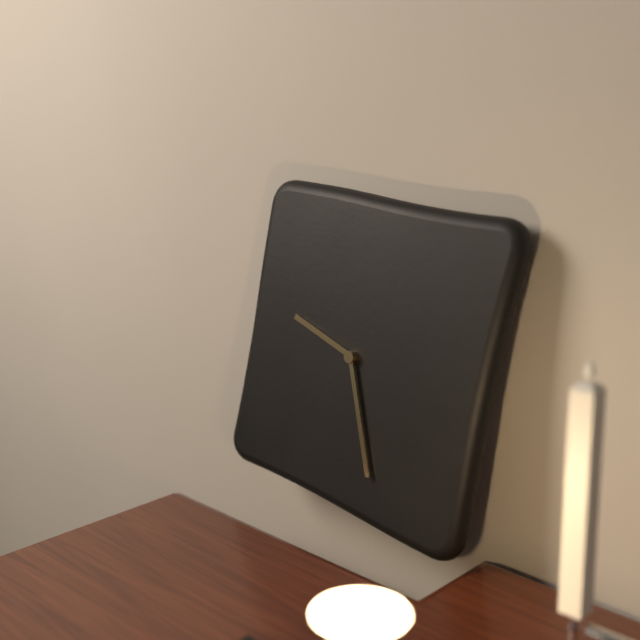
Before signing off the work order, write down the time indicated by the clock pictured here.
9:26
